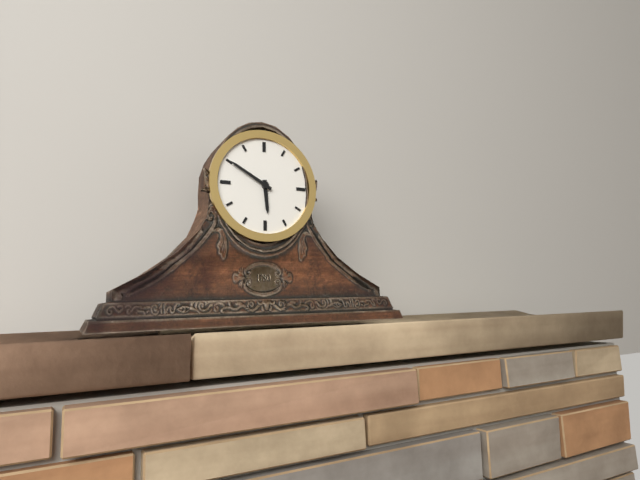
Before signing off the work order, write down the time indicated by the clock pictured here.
5:50
